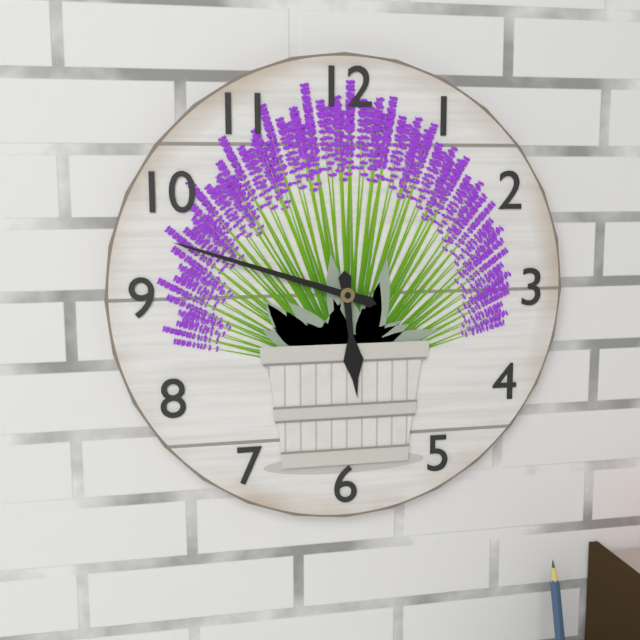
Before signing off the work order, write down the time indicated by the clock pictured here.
5:48
